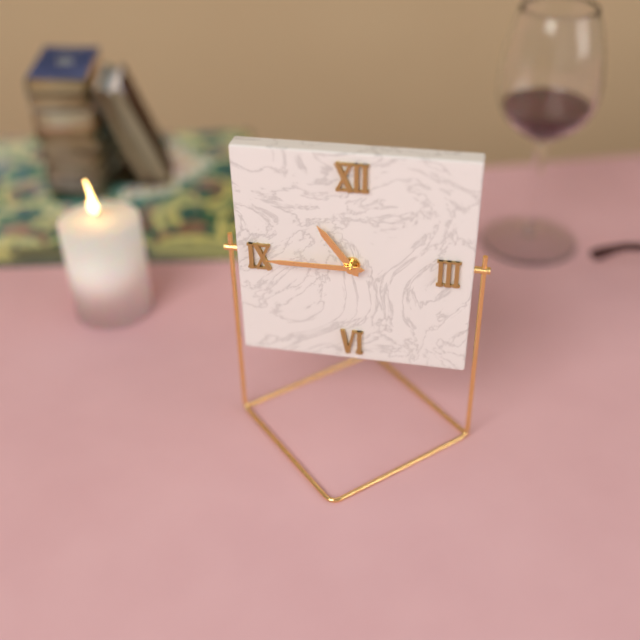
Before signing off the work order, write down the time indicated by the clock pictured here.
10:45
